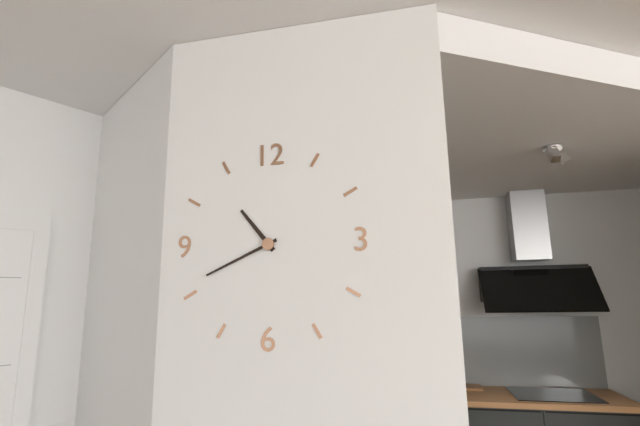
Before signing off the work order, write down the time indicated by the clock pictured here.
10:41
